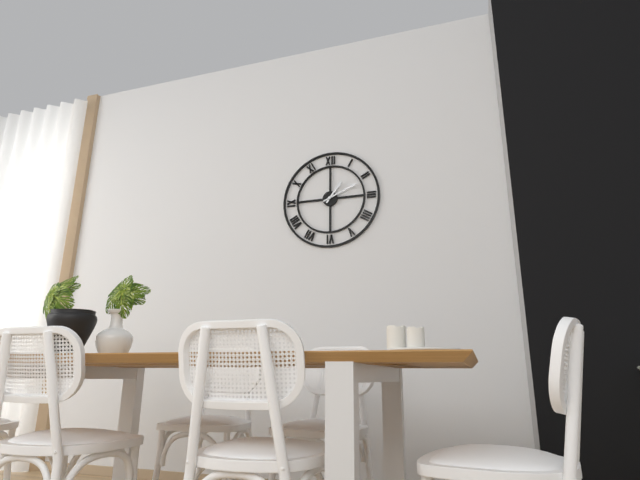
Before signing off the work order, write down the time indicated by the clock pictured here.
1:11
